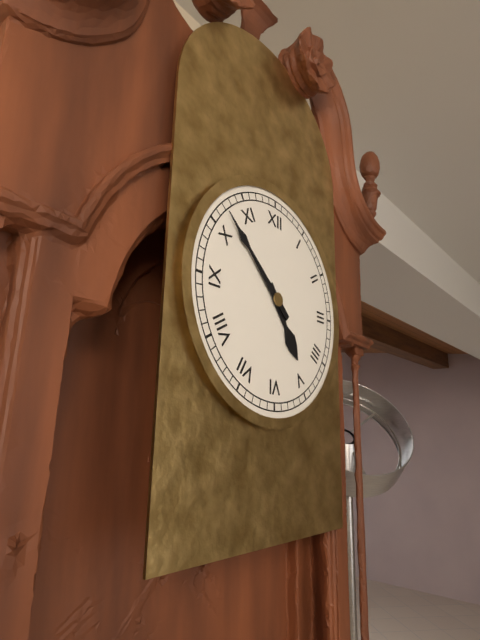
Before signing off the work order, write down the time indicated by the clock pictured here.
4:52
